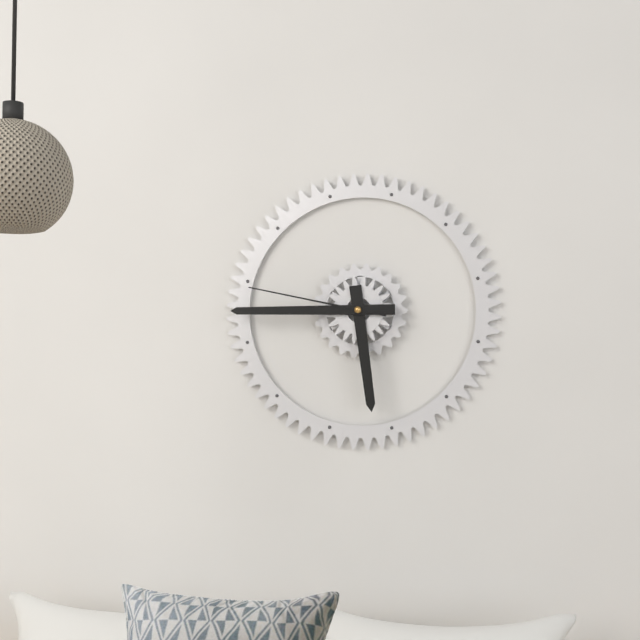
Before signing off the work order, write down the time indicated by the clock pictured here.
5:45:47
